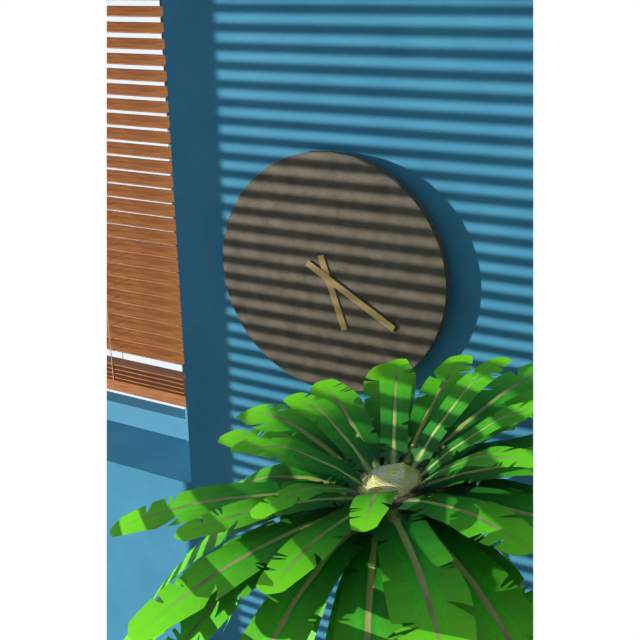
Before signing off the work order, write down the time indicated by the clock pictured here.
5:20
